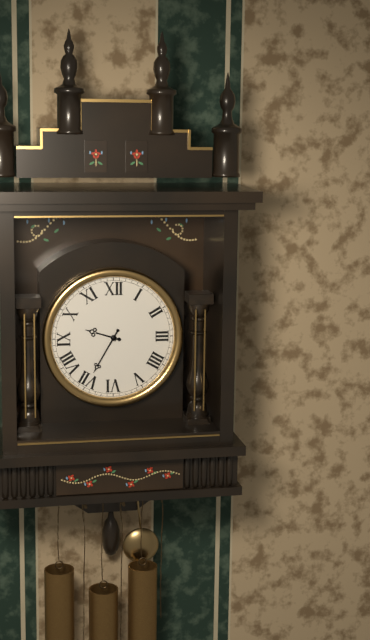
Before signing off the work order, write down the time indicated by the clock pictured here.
9:35
